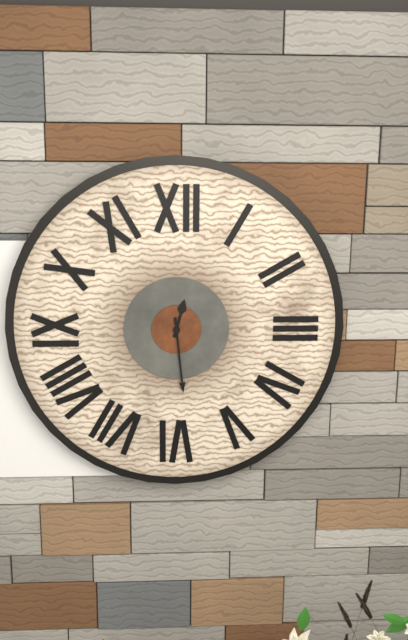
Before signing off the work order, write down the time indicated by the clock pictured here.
12:29
